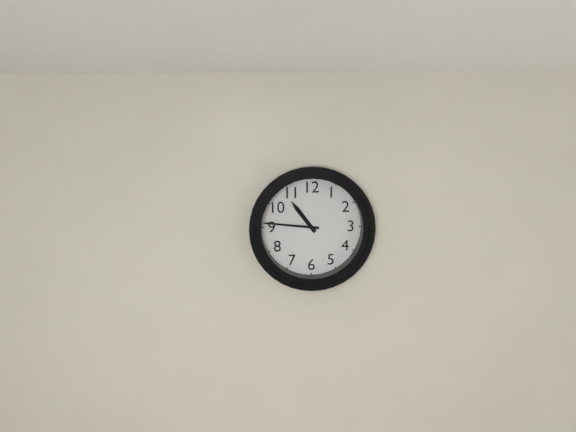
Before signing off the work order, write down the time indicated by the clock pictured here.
10:46
